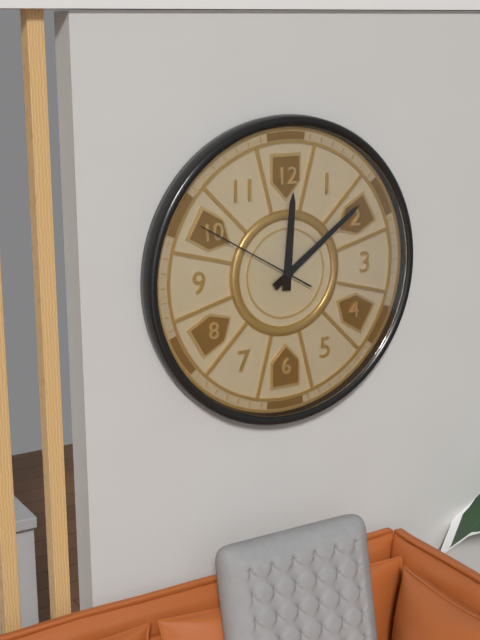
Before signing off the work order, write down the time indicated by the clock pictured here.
12:09:50
